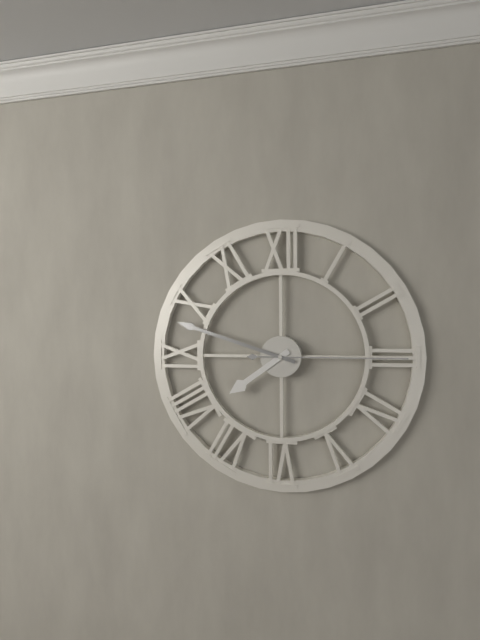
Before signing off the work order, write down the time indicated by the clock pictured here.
7:48:15
